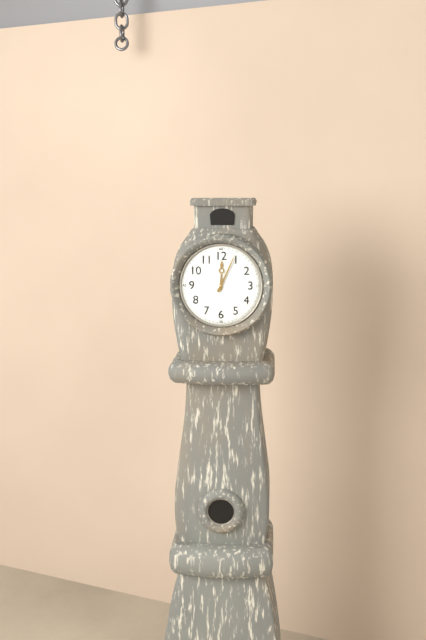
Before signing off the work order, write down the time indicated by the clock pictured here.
12:04
